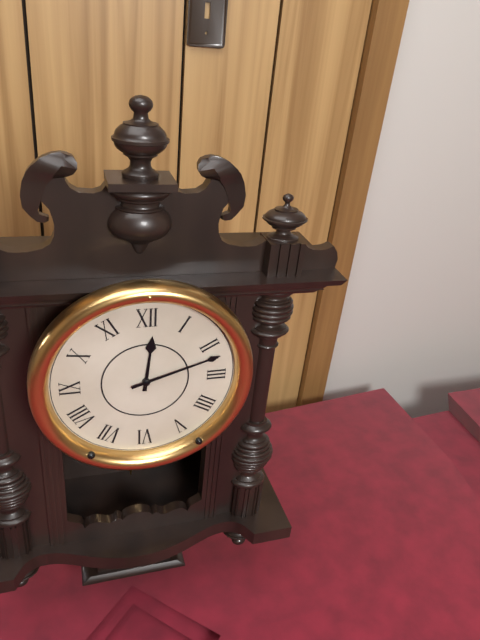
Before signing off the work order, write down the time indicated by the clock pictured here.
12:12
